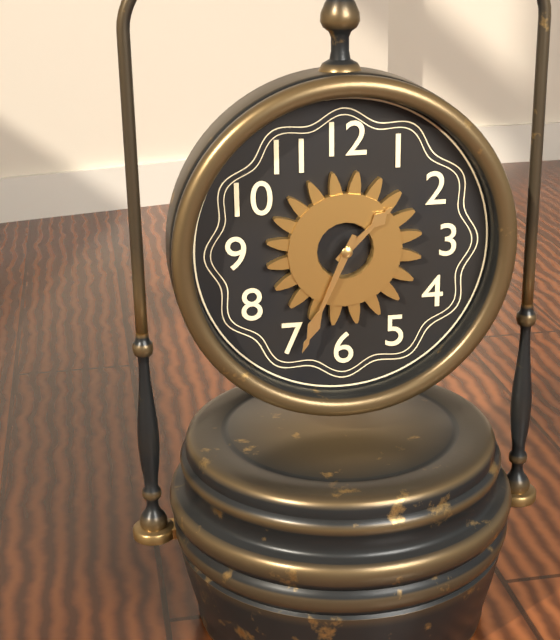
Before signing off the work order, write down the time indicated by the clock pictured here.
1:34
